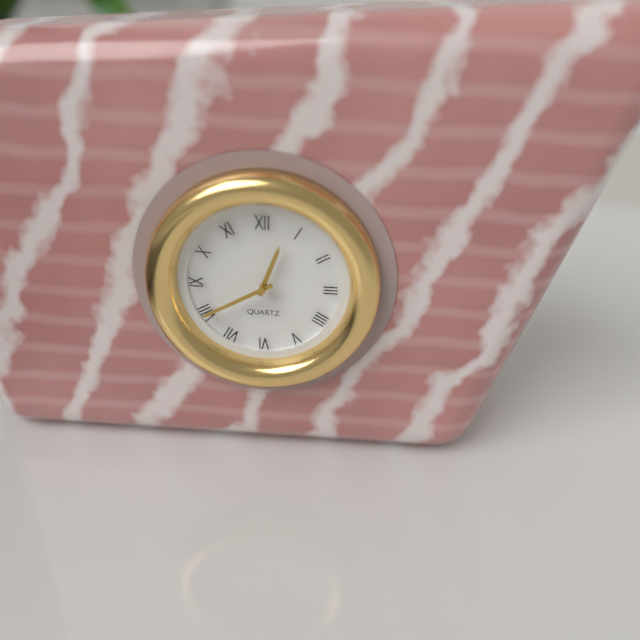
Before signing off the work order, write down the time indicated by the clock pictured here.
12:40
